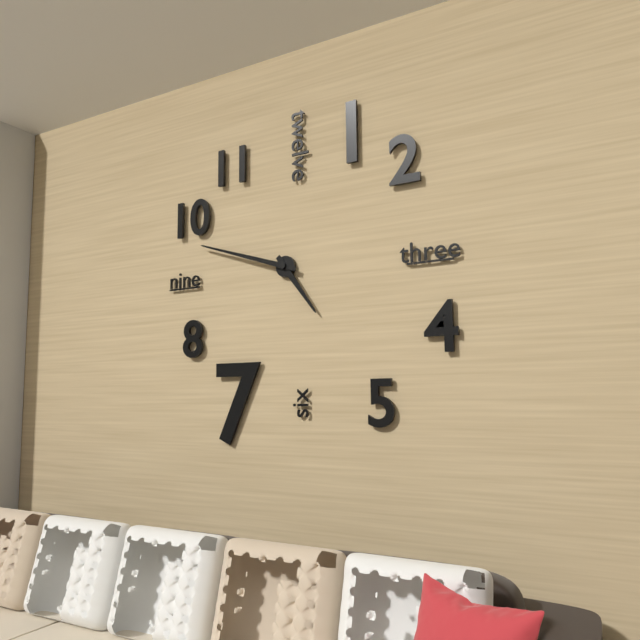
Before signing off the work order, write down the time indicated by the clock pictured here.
4:48
